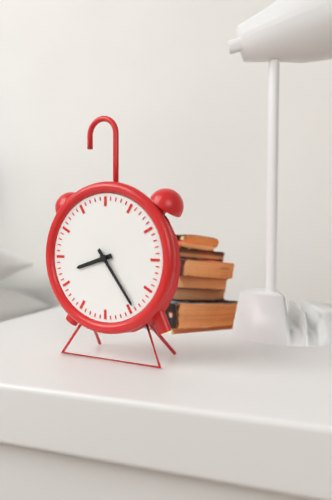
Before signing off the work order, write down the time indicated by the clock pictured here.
8:24
